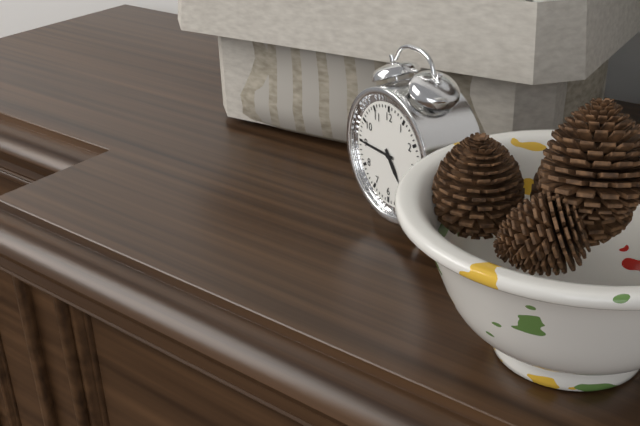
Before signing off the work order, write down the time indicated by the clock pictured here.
4:45
